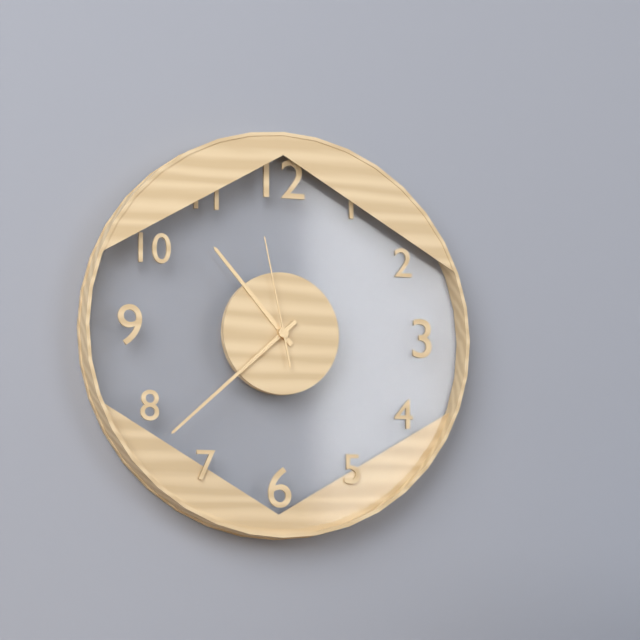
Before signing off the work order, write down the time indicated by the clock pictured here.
10:38:58
